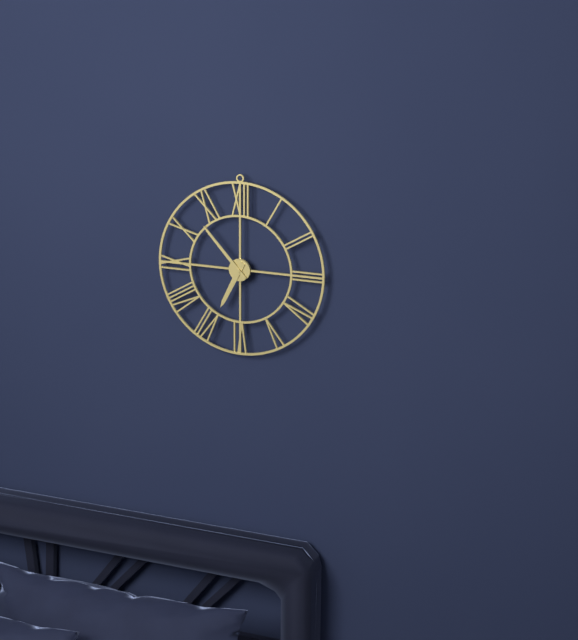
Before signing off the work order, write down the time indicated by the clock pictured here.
6:53
